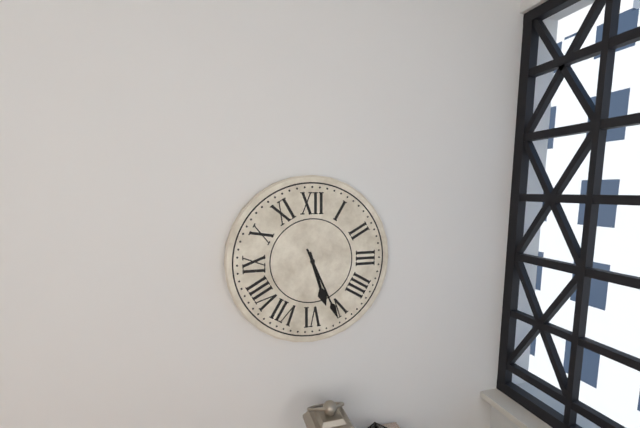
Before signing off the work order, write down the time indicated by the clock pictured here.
5:26
